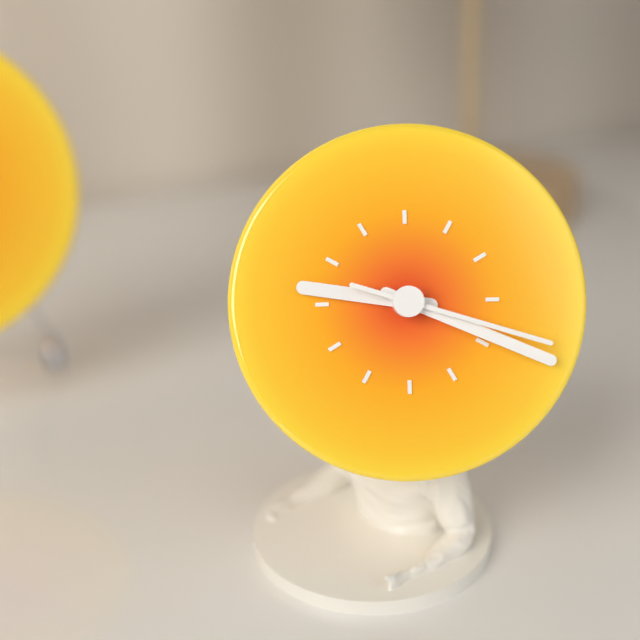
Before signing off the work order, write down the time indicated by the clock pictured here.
9:19:18
